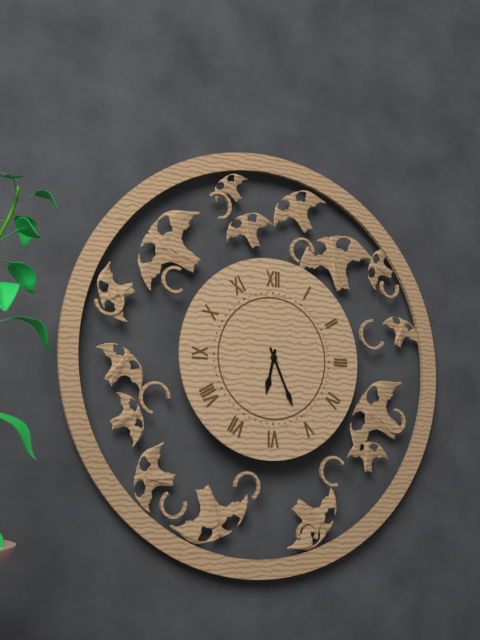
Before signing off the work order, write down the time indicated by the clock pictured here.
6:26
